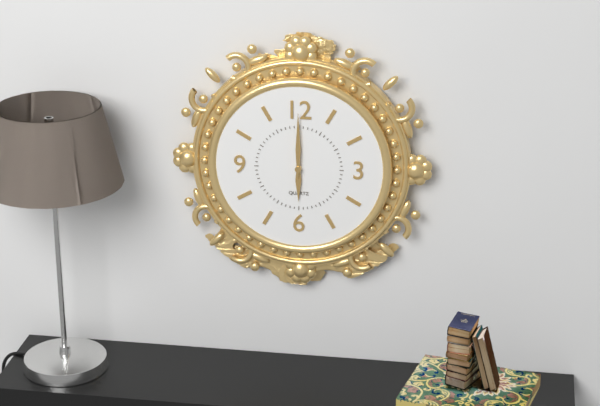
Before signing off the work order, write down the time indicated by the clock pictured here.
6:00
